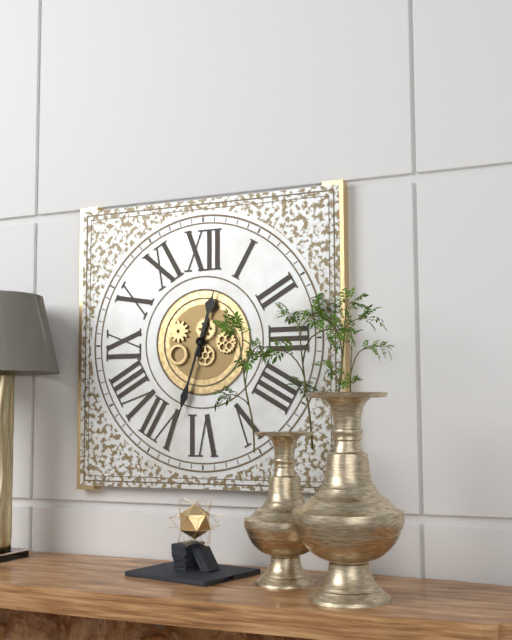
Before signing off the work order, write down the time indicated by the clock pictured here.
12:33
